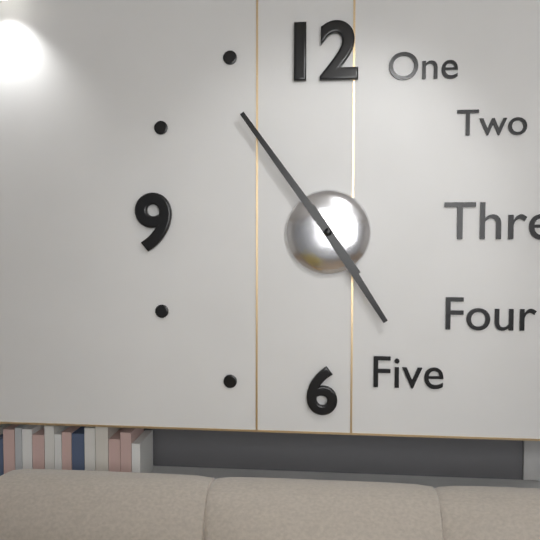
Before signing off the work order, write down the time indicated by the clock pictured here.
4:54
